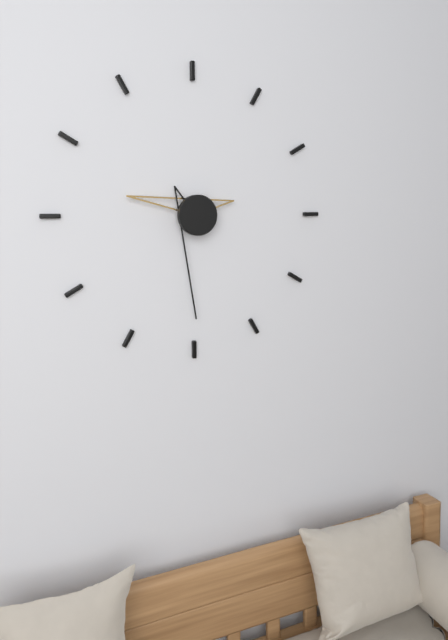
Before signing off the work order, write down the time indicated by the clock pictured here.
9:30
